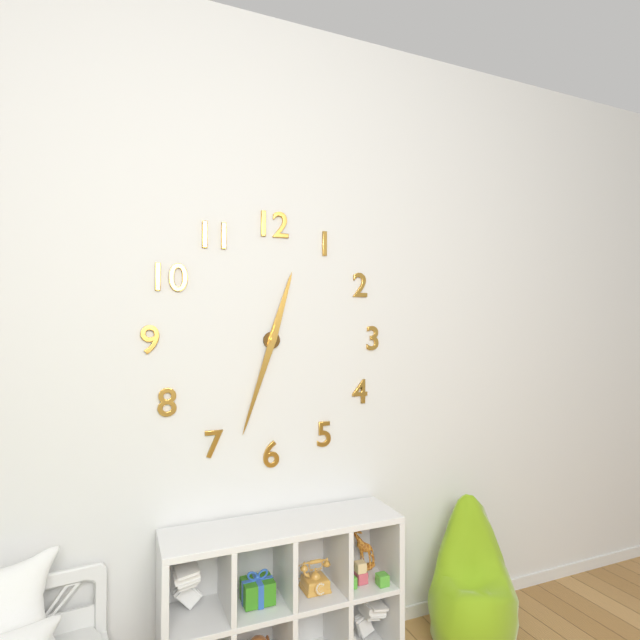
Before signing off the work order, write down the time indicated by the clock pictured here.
12:33
